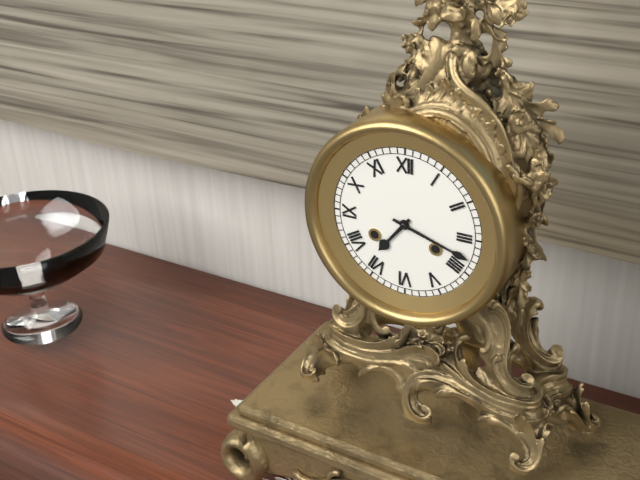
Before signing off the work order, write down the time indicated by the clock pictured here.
7:18
